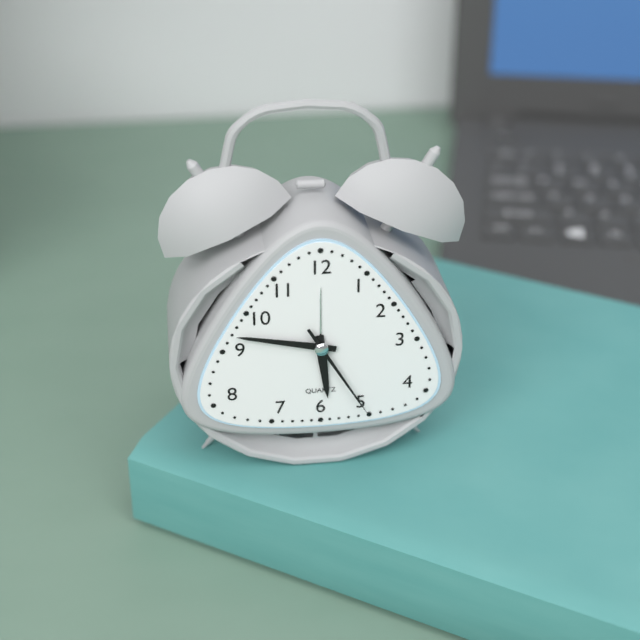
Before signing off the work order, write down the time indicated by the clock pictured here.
5:47:25
